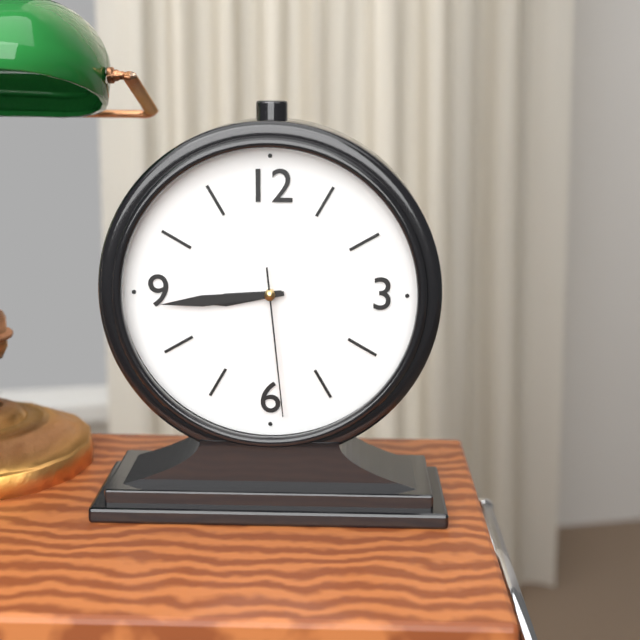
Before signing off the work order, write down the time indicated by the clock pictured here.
8:44:29
